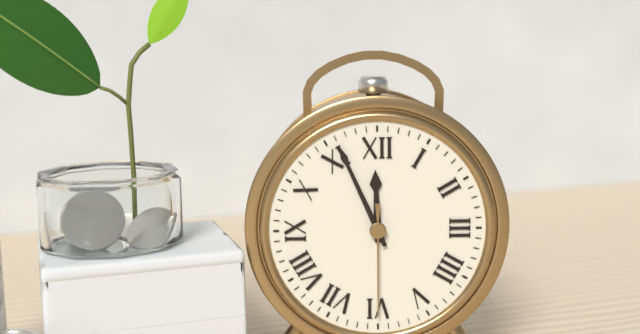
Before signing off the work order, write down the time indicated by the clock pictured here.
11:56:30
